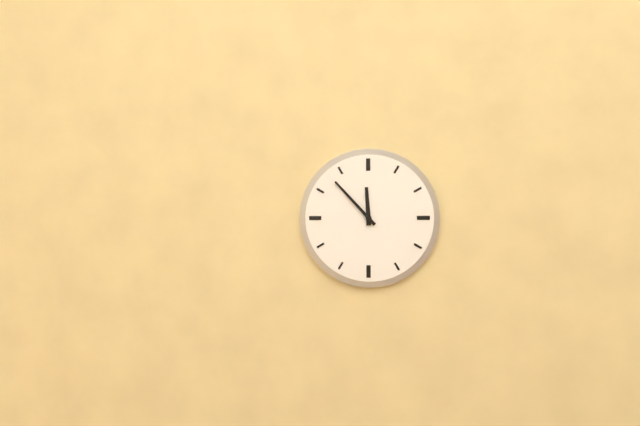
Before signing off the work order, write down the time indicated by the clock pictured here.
11:53
